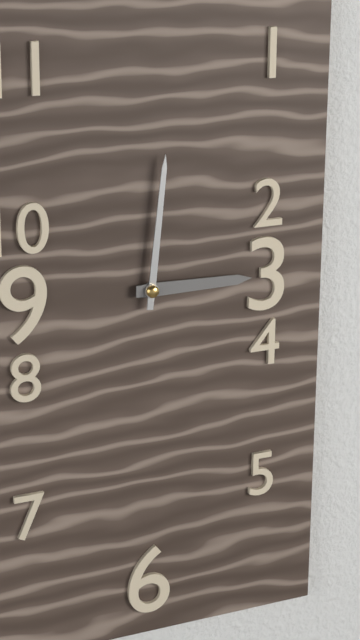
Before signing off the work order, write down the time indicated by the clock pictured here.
3:01
